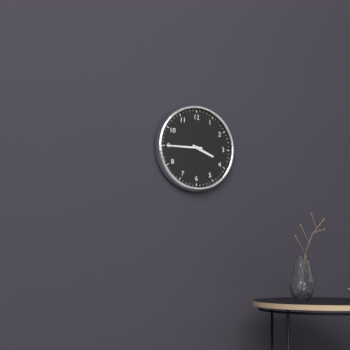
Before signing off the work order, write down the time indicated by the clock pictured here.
3:45
